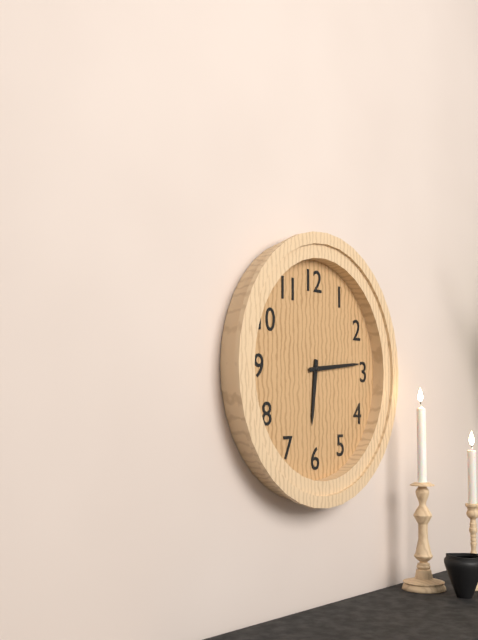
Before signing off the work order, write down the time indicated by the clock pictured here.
6:14
